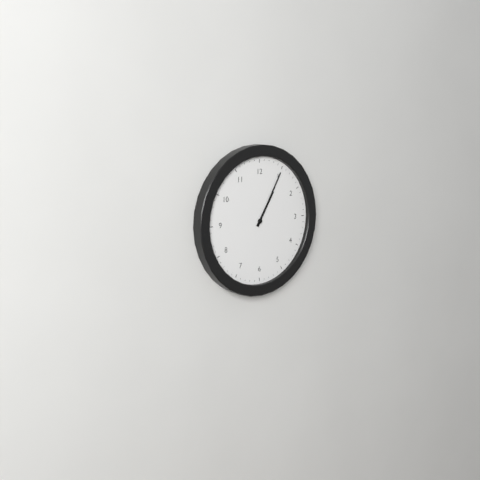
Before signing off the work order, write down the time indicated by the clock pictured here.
1:05
